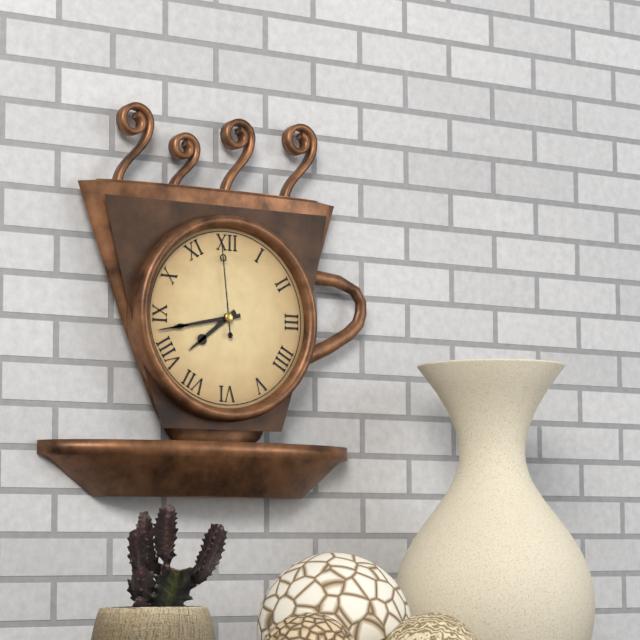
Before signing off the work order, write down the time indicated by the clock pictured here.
7:43:59
